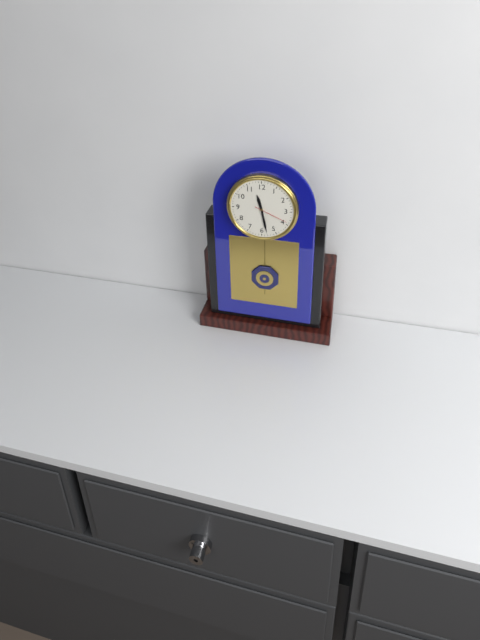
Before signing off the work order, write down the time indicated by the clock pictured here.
11:28
